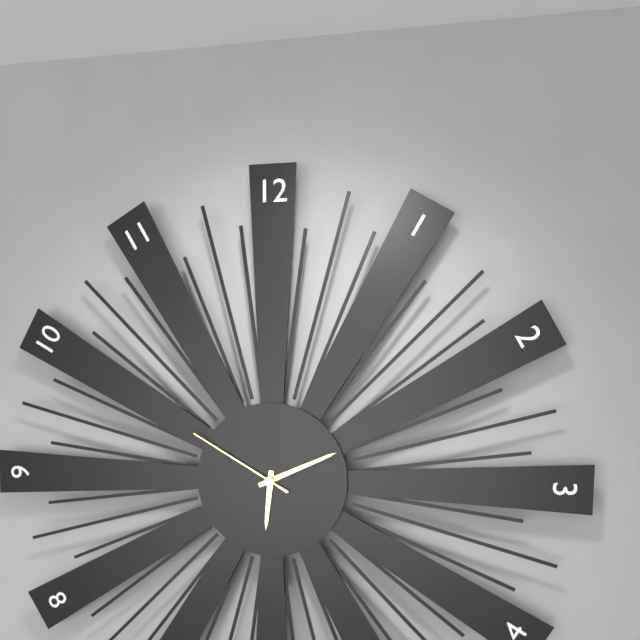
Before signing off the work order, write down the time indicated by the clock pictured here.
6:11:50
